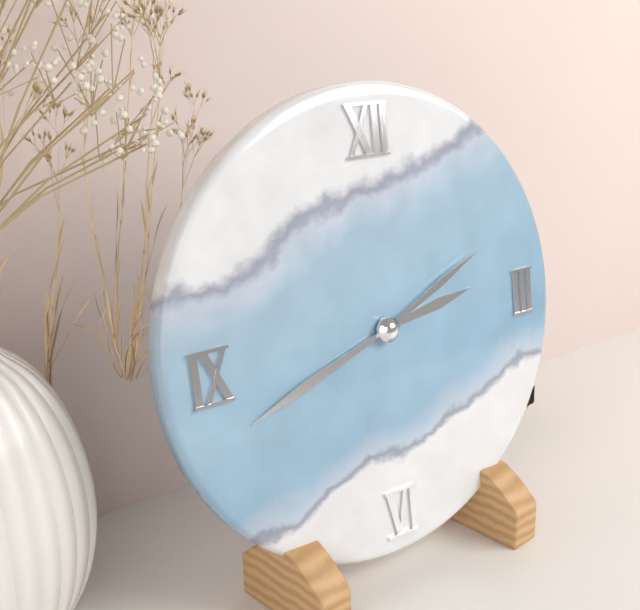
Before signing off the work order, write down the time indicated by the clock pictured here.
2:42:11
